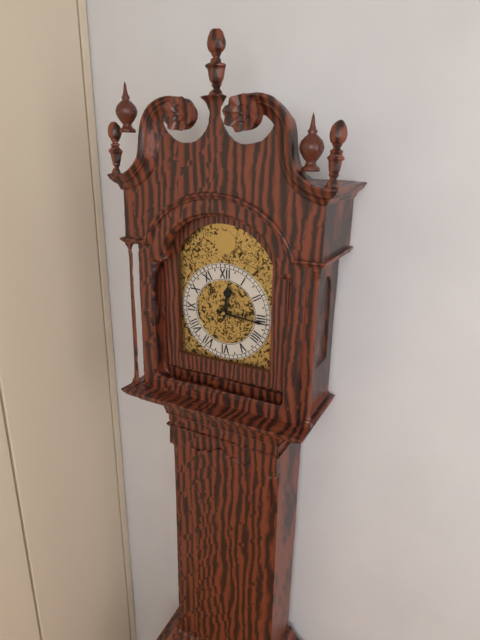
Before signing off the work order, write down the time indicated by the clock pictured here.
12:16
